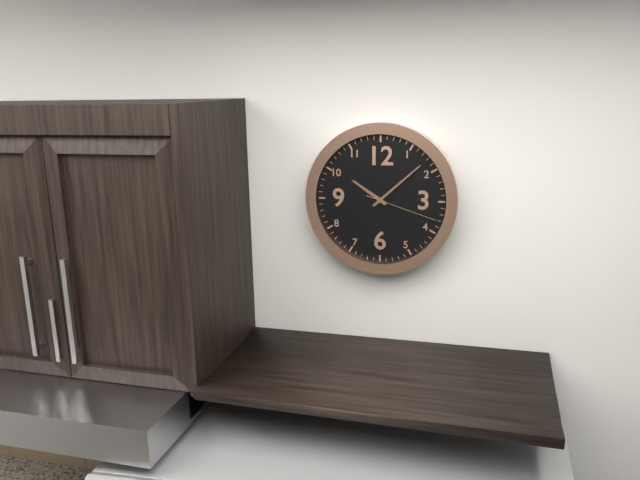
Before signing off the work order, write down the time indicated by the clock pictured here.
10:08:18
